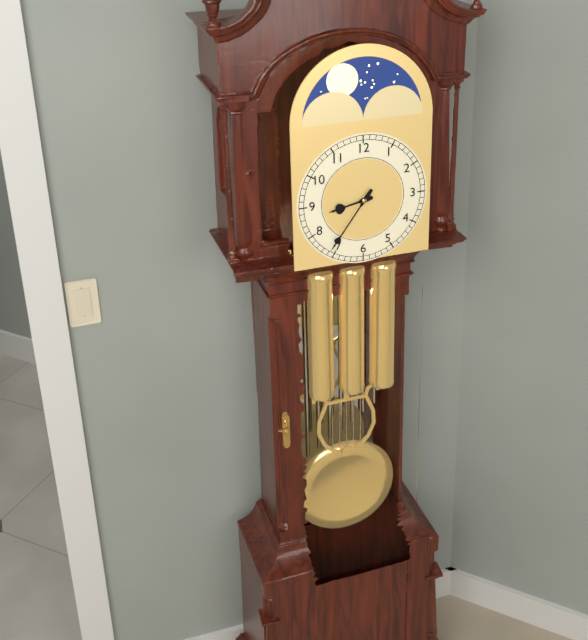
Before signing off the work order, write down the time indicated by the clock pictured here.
8:36
